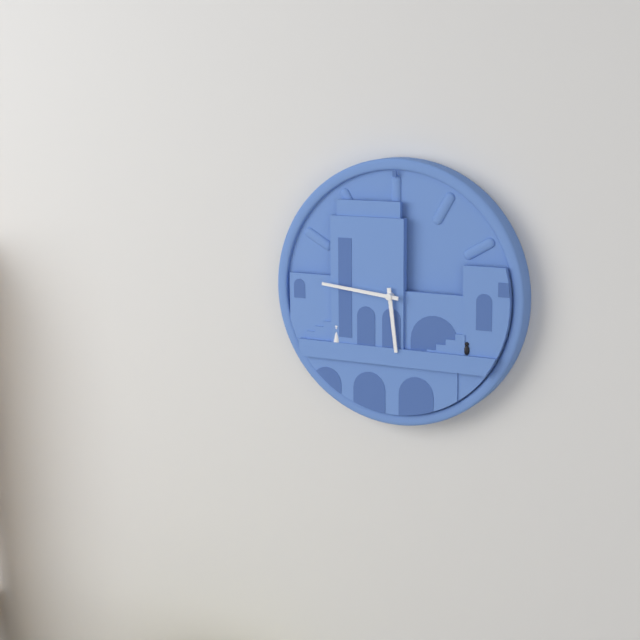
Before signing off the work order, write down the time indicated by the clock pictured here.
5:46
